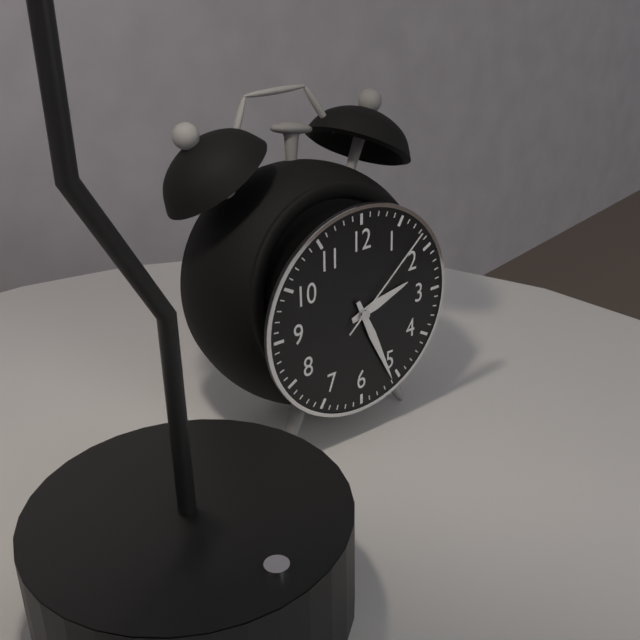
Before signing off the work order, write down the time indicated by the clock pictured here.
2:26:08
